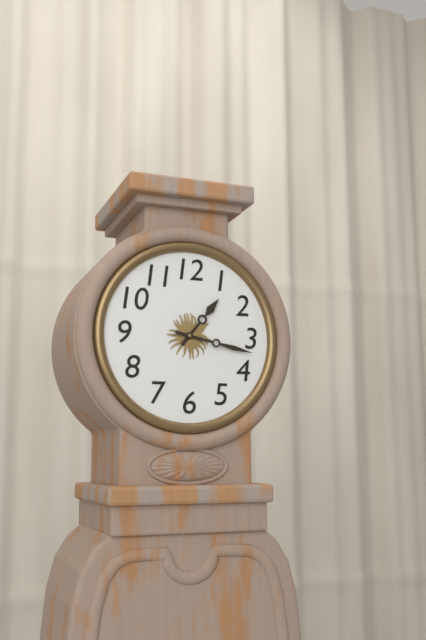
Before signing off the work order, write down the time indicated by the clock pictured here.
1:17
